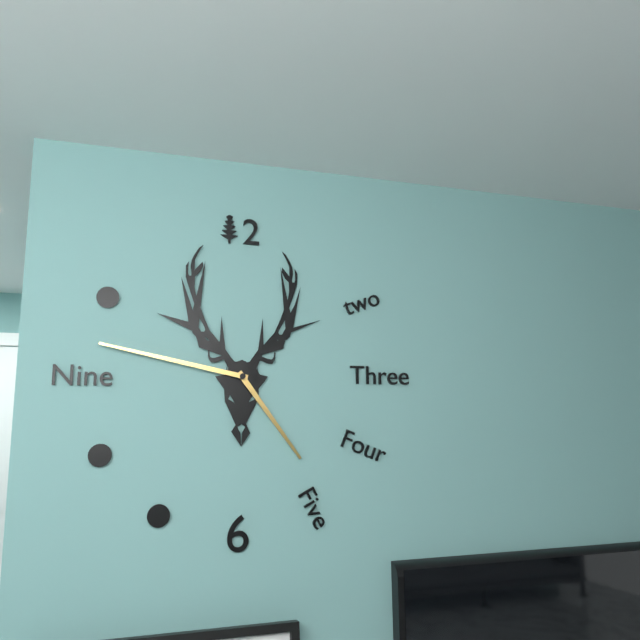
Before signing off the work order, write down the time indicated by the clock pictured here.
4:47
